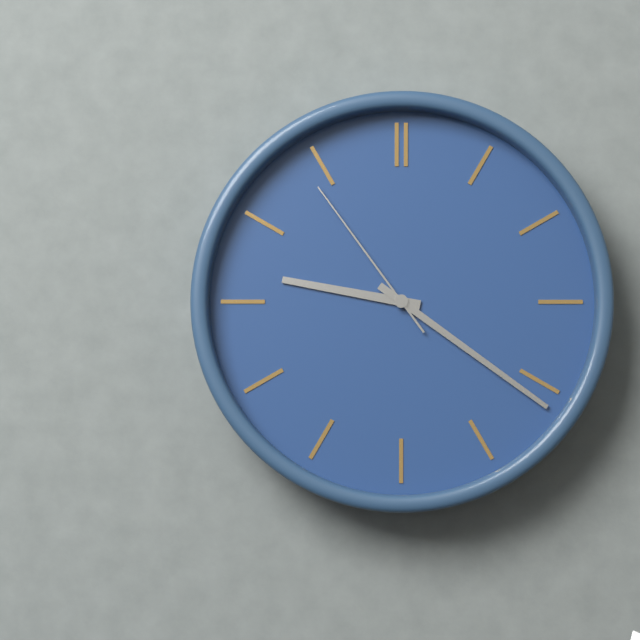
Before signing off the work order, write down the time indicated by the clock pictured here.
9:21:54
